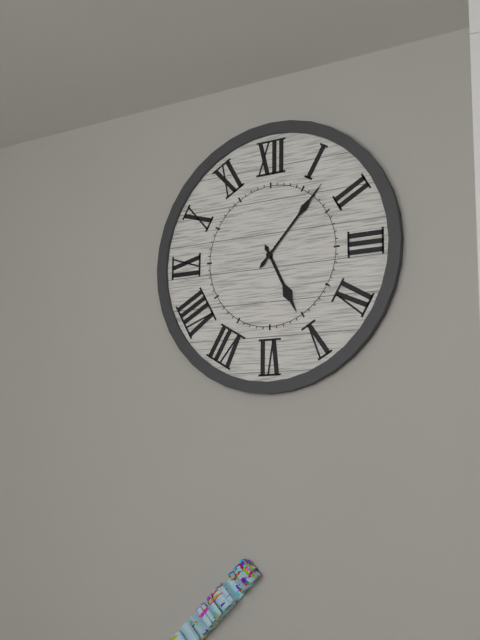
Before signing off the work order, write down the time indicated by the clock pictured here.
5:07
